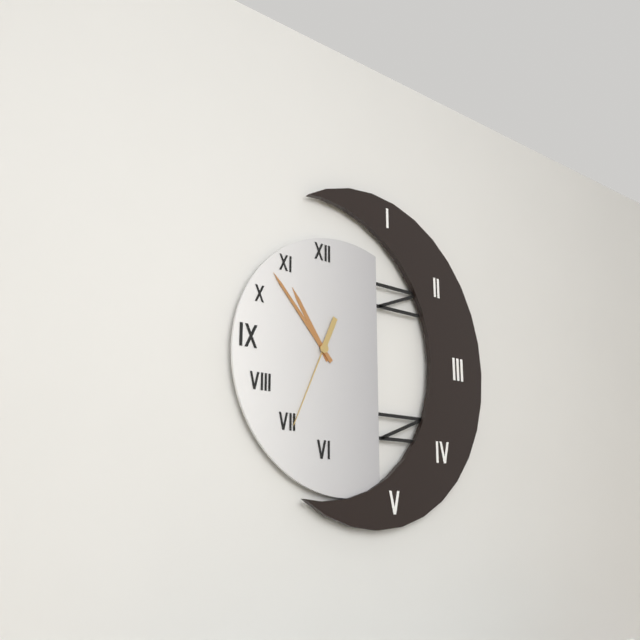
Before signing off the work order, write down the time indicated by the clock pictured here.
10:53:34
